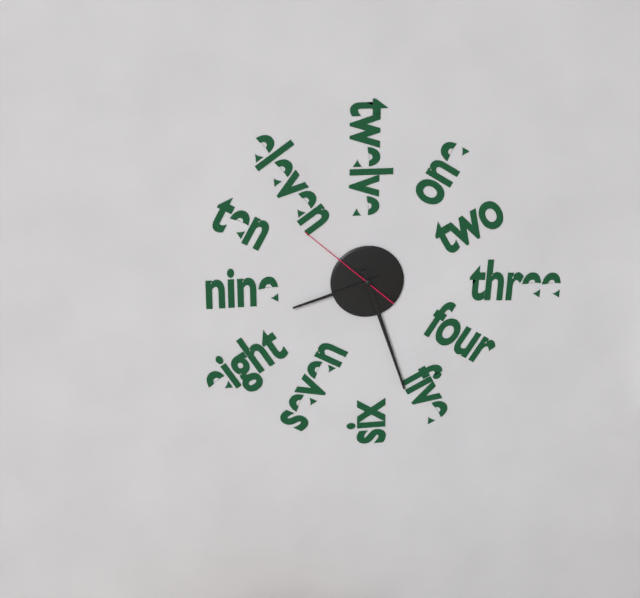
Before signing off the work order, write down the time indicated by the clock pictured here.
8:27:52
